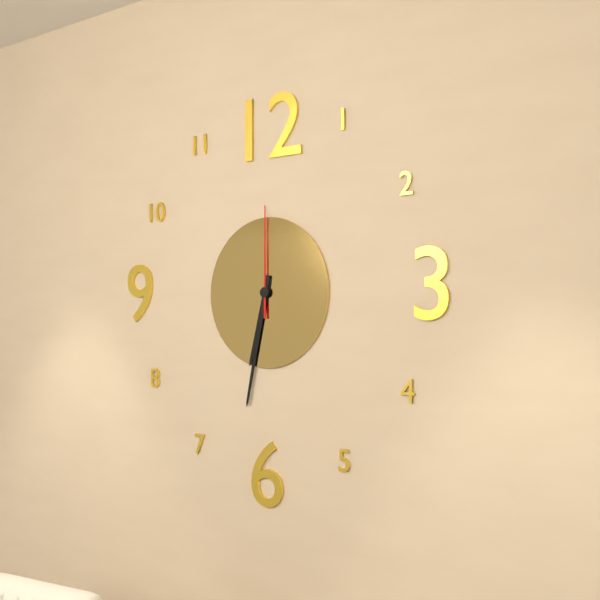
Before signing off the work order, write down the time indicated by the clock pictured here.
6:32:00
